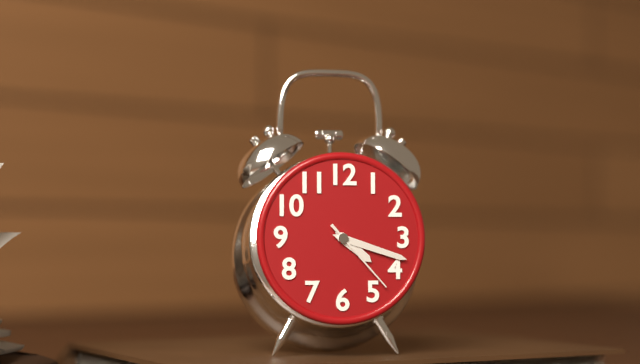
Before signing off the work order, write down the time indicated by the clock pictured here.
4:18:23
